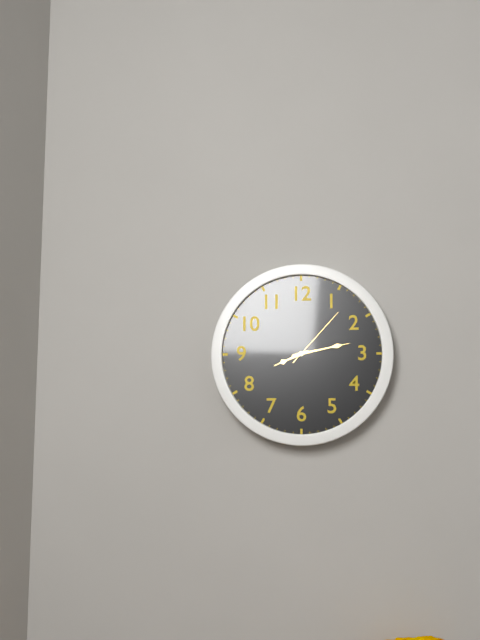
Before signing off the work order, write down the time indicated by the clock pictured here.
8:13:07
